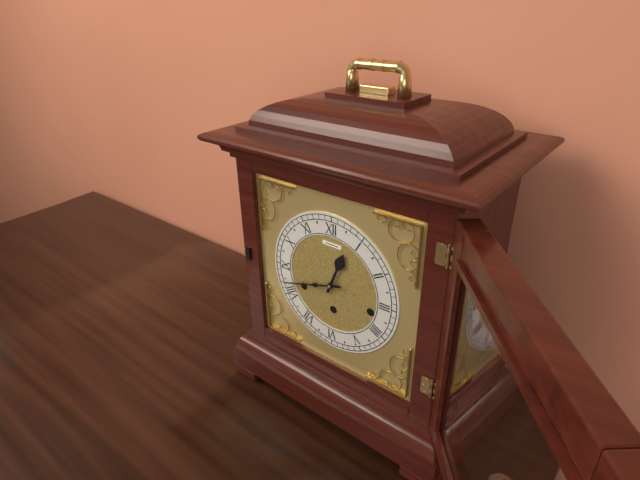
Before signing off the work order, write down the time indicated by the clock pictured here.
12:42
